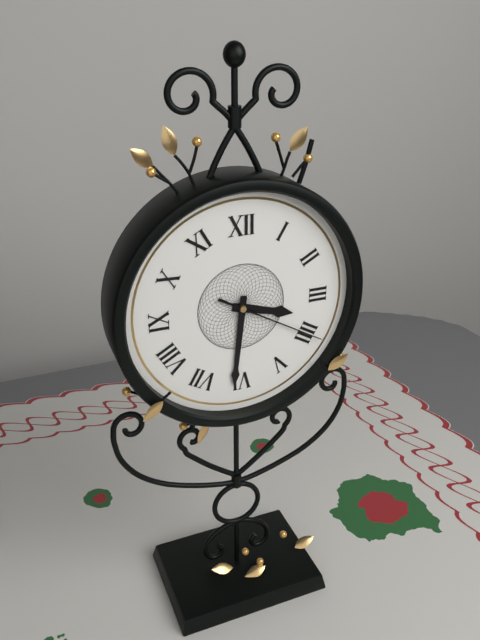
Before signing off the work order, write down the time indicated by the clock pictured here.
3:31:20
